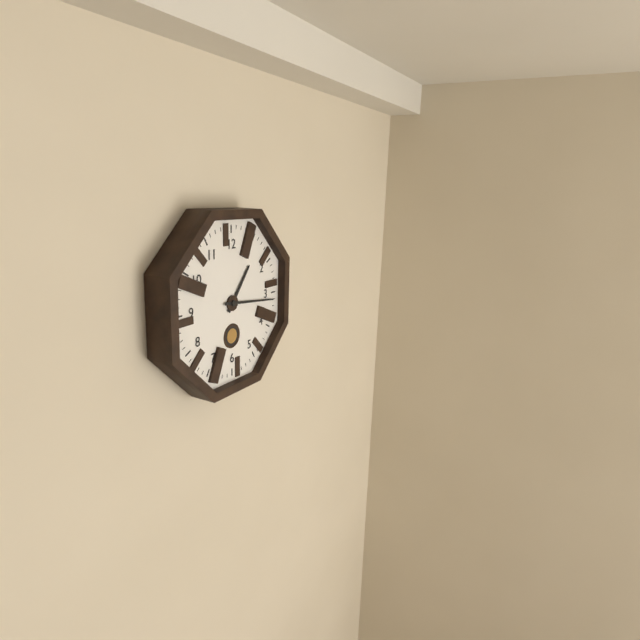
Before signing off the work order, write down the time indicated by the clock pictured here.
1:16
